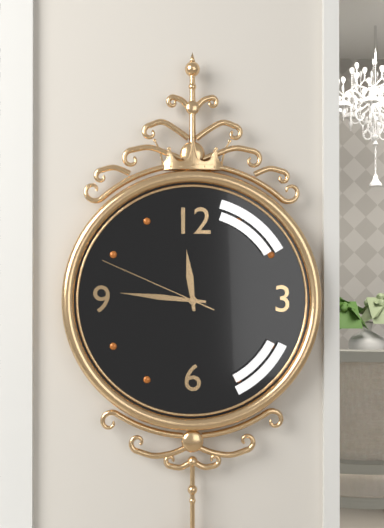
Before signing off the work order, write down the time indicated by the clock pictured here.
11:46:49
